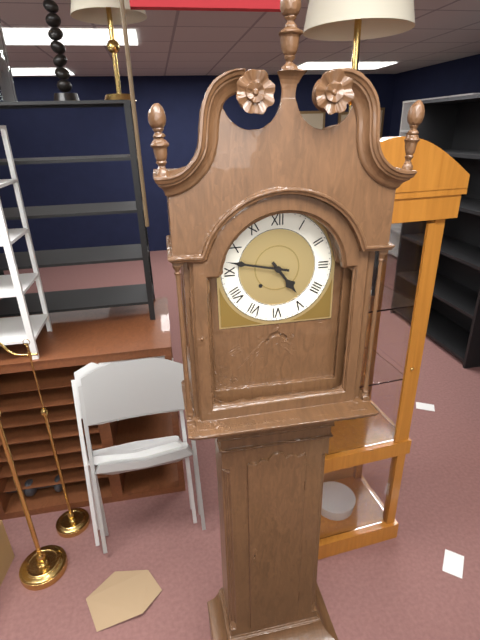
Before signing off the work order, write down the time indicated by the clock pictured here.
4:47
